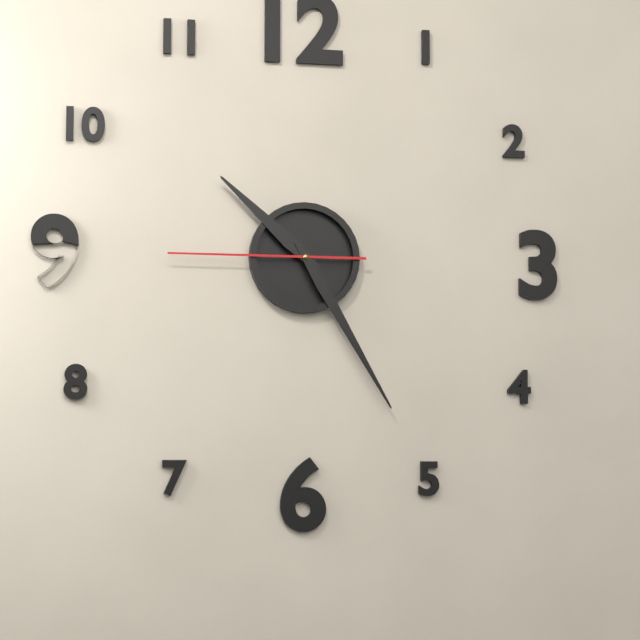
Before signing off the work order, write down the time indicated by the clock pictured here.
10:25:45
